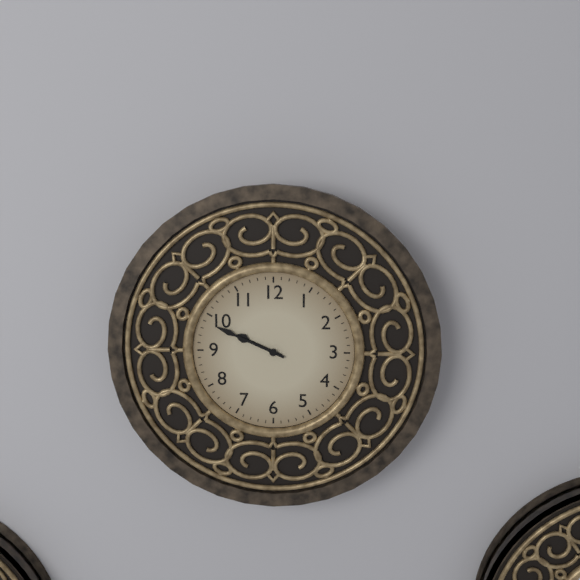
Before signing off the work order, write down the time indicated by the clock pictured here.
9:49
